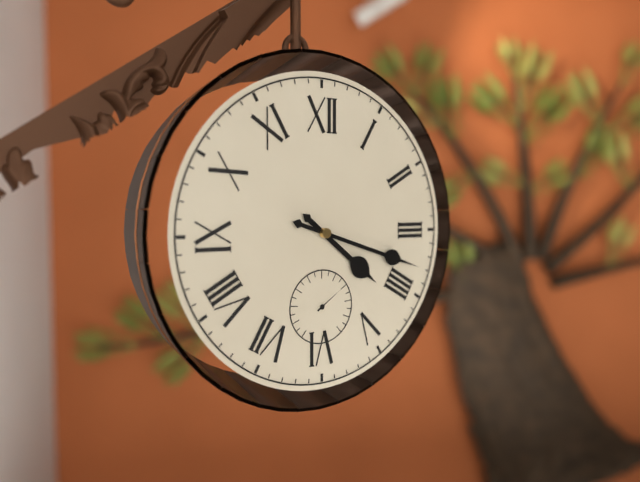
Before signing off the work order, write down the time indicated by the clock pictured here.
4:18
